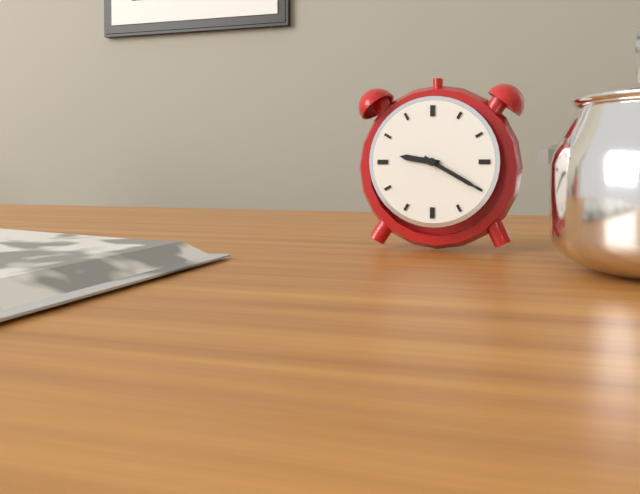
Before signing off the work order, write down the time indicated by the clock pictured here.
9:20
